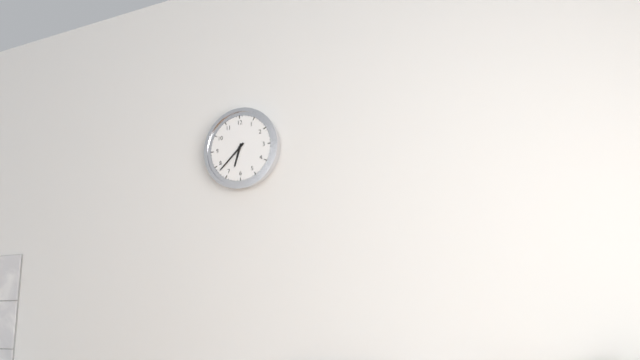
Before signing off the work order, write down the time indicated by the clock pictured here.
6:38
